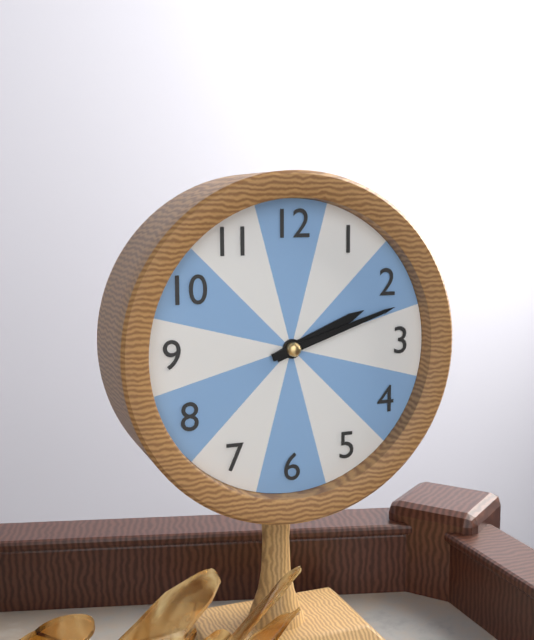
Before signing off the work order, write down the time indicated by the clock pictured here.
2:12
